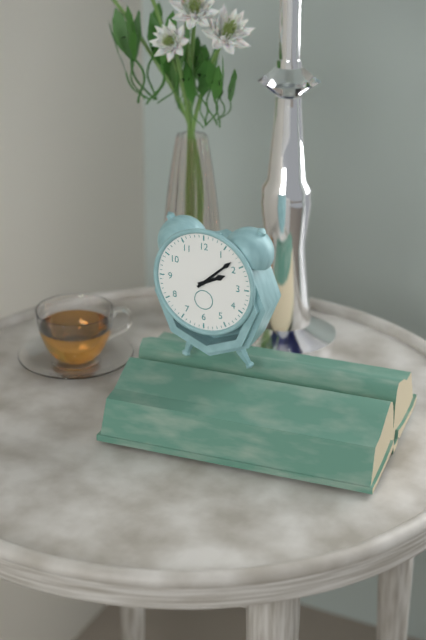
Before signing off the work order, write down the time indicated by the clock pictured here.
2:08
